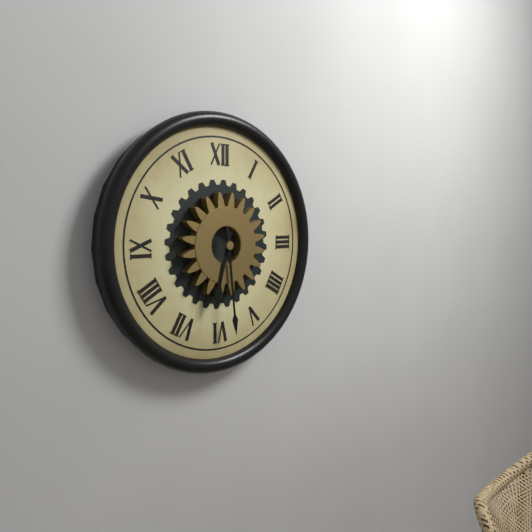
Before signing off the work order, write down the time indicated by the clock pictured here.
6:29
